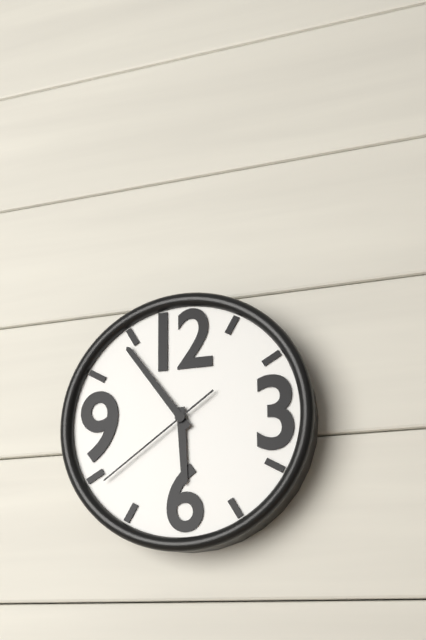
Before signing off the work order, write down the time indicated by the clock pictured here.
5:54:39
